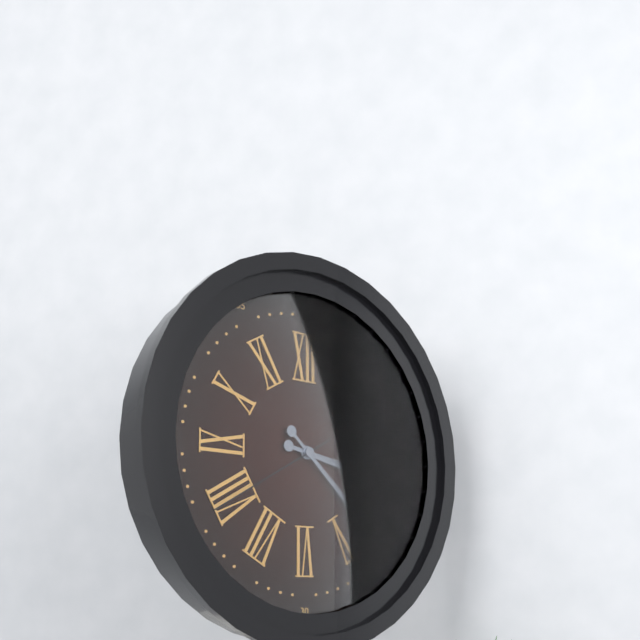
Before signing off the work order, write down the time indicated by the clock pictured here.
3:22:40
